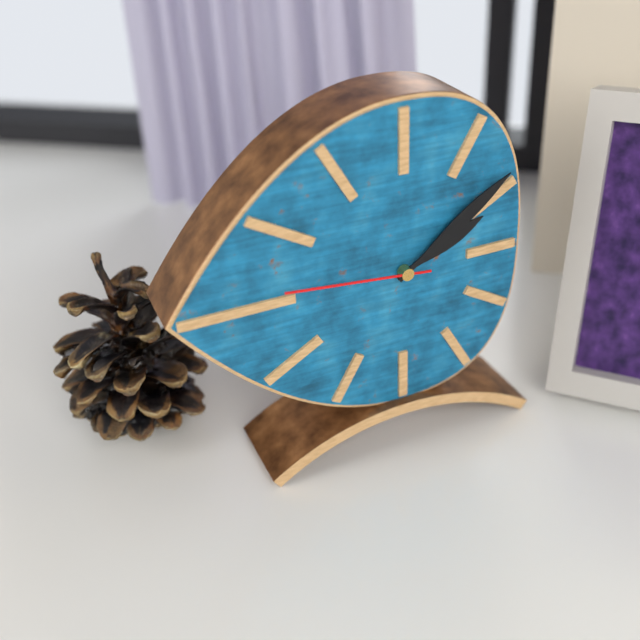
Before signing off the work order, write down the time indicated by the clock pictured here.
2:09:46
